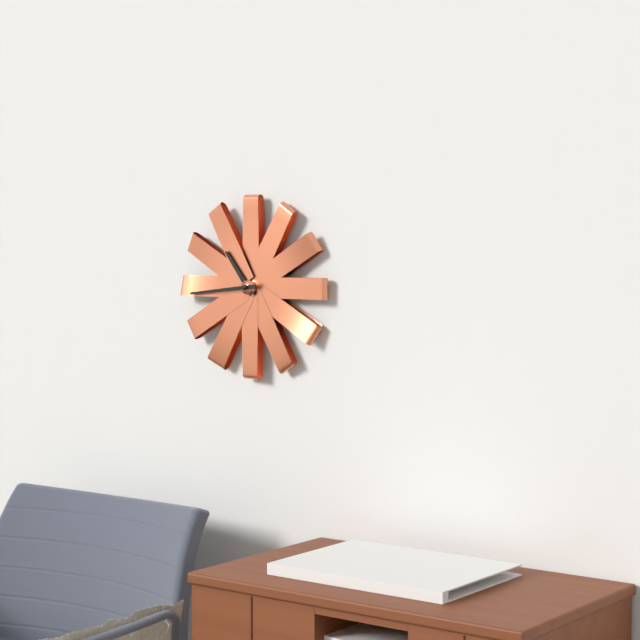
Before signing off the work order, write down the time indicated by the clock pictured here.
10:44
